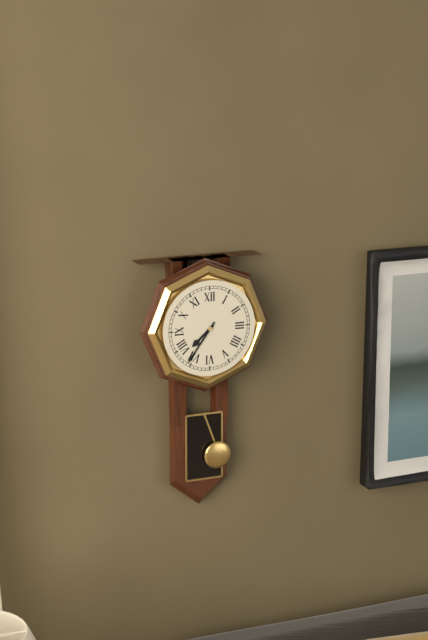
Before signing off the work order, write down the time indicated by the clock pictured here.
7:36
